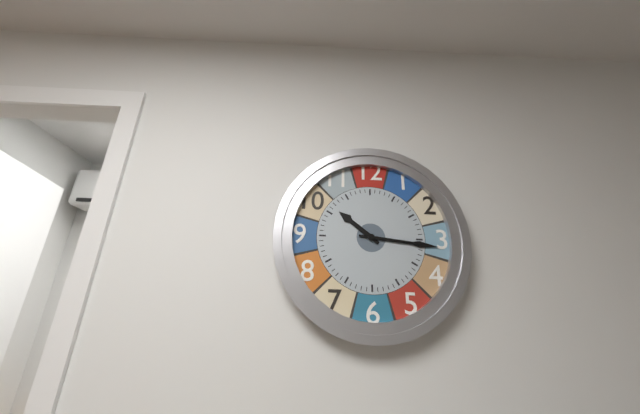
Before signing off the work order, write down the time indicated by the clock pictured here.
10:16
